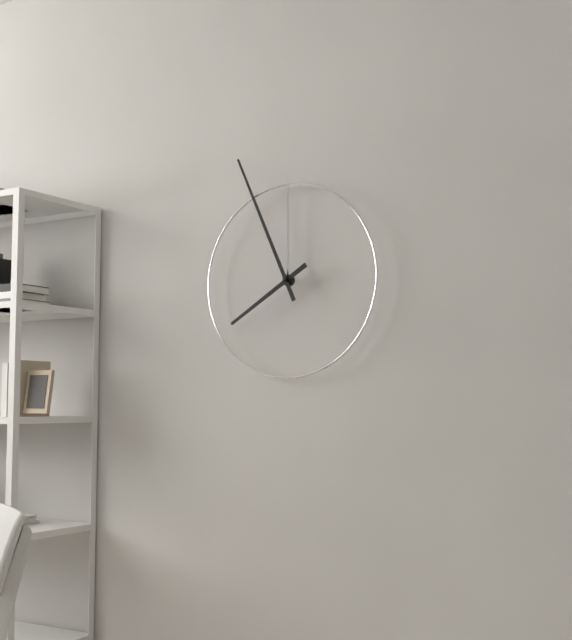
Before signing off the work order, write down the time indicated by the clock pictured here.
7:56
